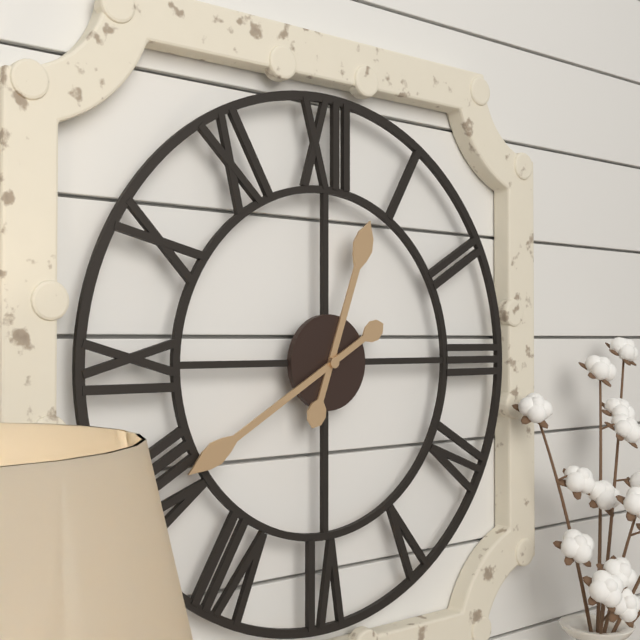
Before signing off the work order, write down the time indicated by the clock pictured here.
12:40
